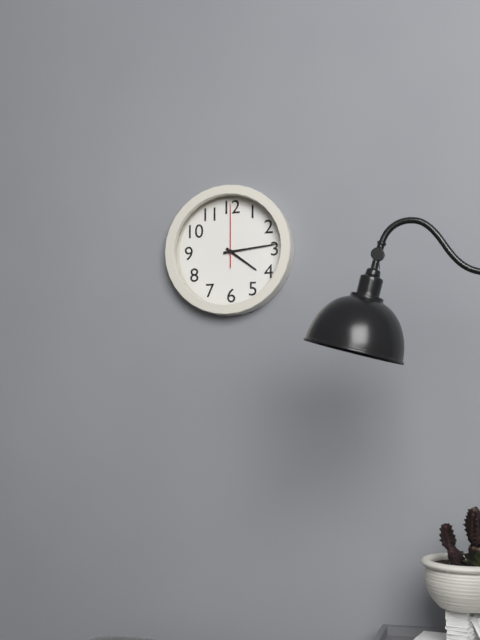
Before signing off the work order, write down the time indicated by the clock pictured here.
4:14:00
